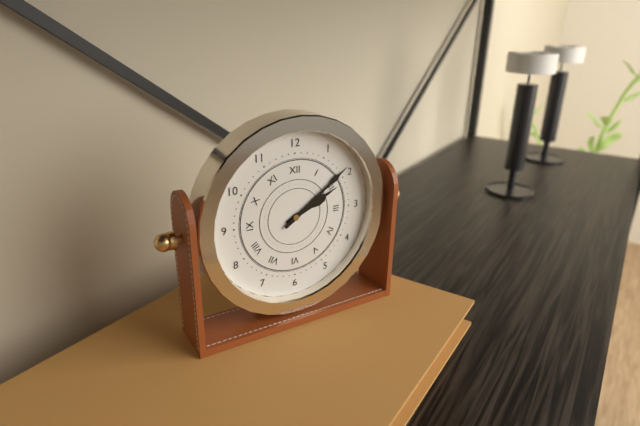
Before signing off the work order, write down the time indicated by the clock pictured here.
2:09
